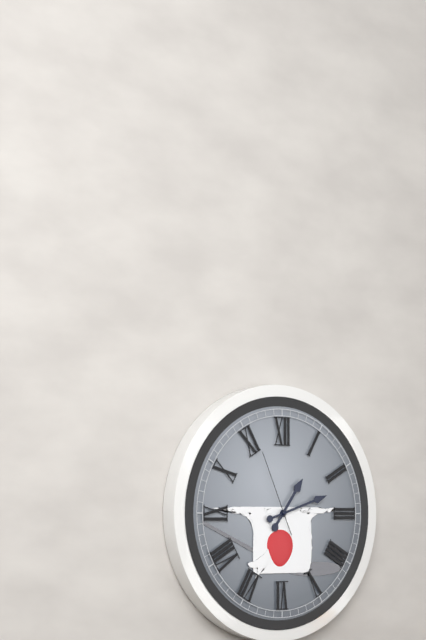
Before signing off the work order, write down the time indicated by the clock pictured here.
1:12:56
